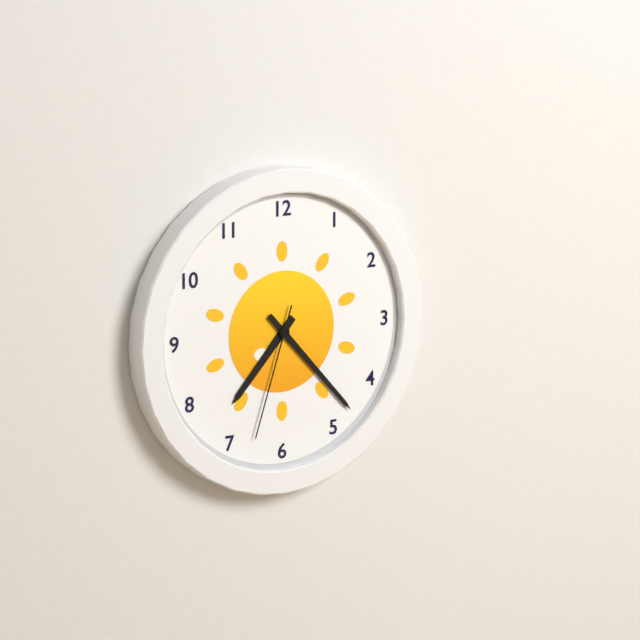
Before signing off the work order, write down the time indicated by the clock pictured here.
7:23:33
